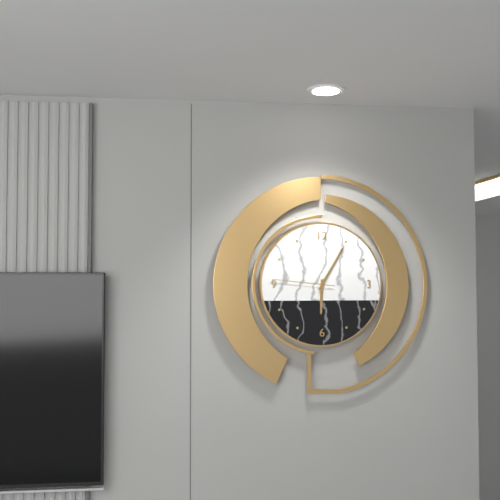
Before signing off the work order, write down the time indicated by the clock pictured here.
6:05:46
